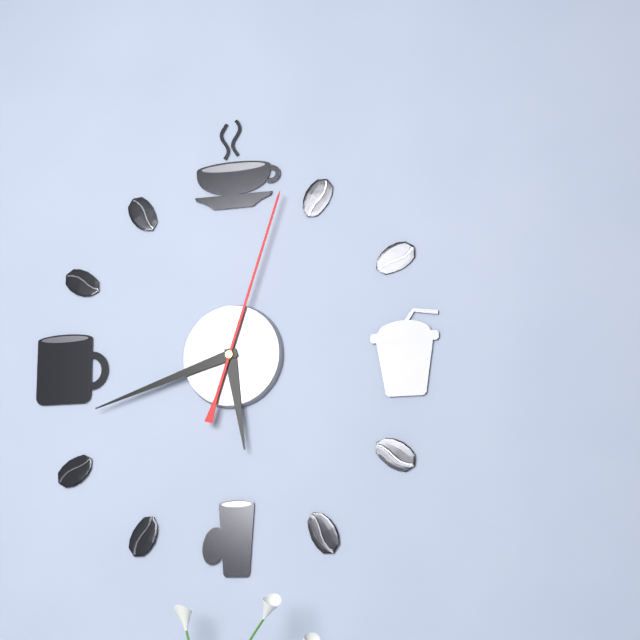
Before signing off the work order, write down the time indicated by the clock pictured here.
5:42:03
